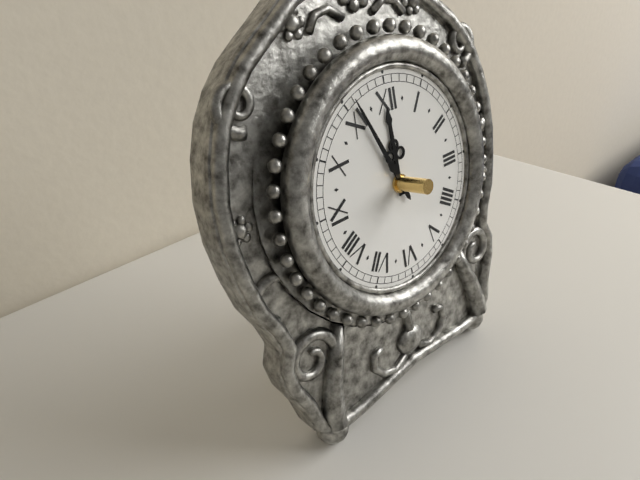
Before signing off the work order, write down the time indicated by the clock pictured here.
11:56
